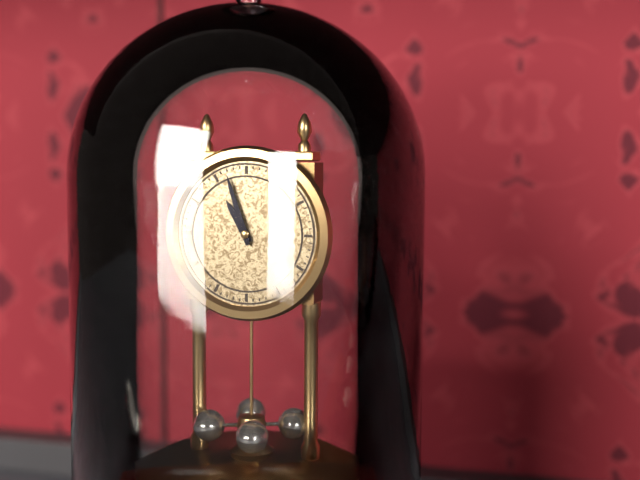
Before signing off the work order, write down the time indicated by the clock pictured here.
10:57
